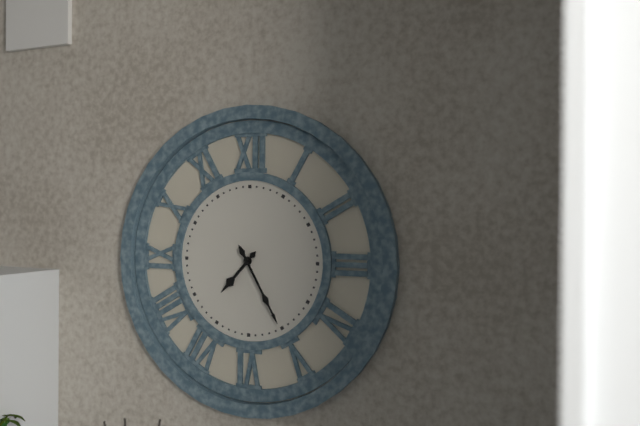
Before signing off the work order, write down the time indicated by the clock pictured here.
7:25
